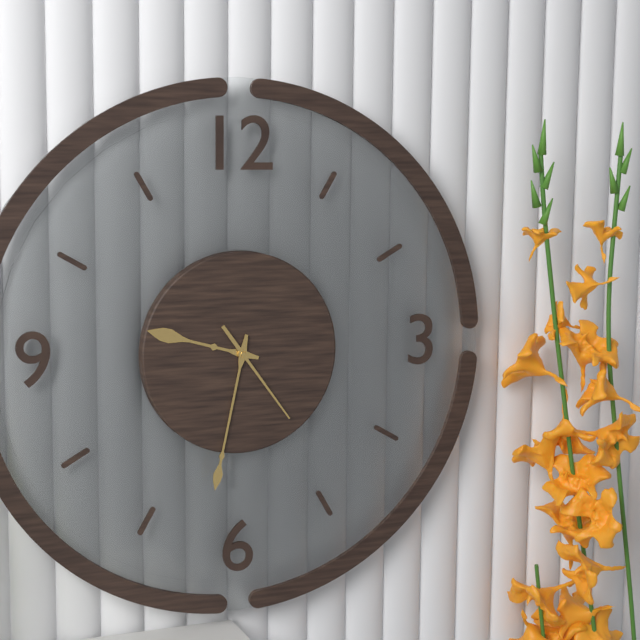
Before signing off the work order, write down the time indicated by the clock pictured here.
9:32:24
